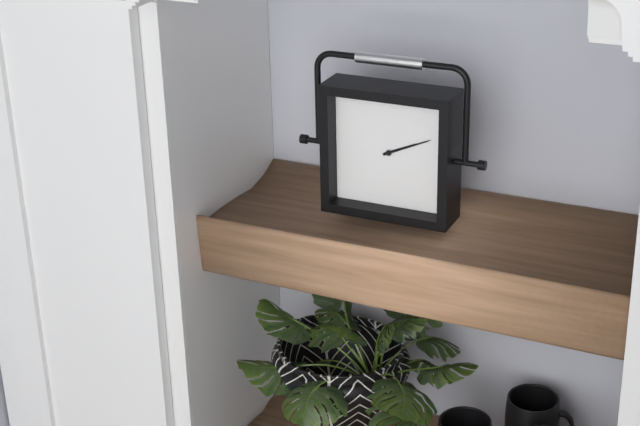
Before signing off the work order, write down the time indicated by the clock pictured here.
2:11
